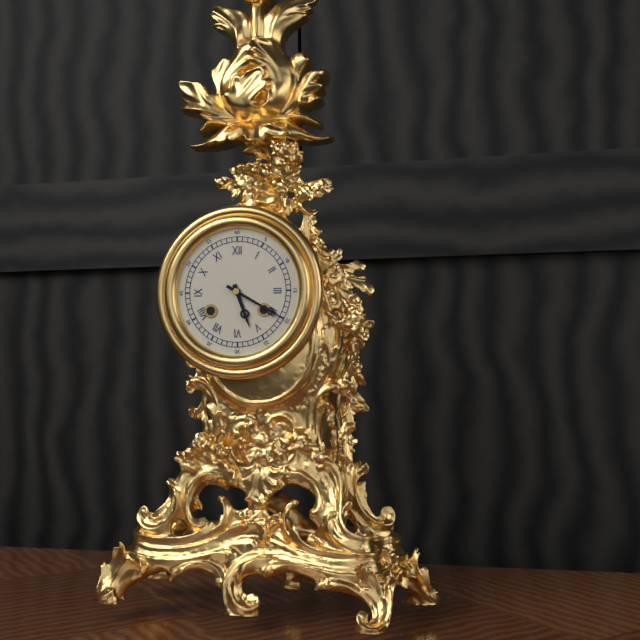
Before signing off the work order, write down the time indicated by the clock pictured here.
5:20
